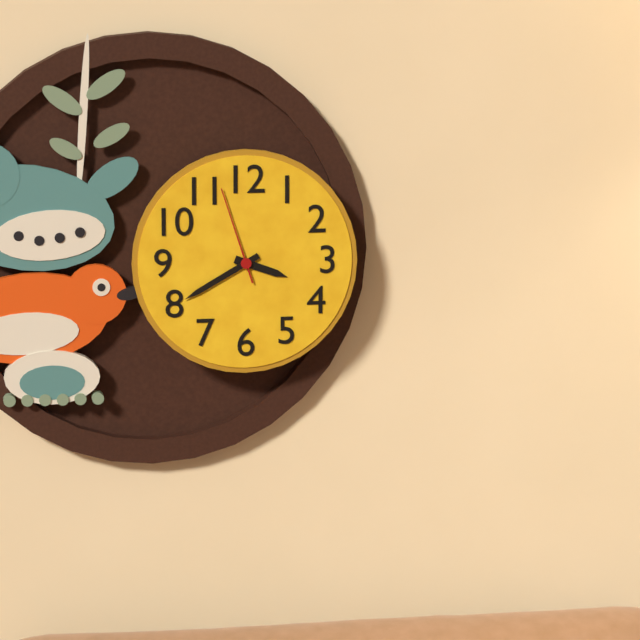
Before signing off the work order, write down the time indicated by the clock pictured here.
3:40:57
